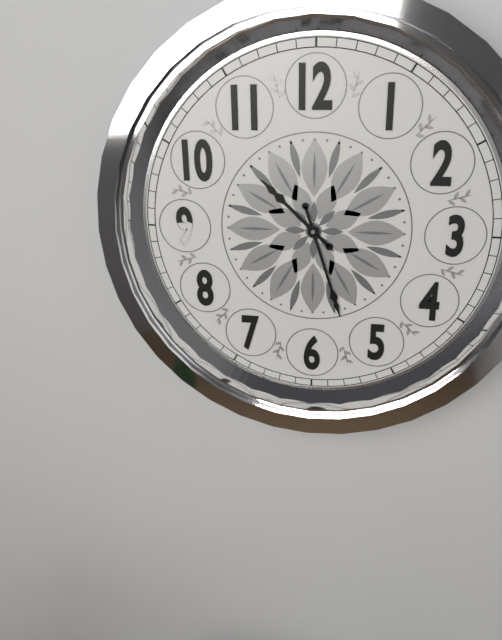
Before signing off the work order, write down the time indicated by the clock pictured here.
10:27
